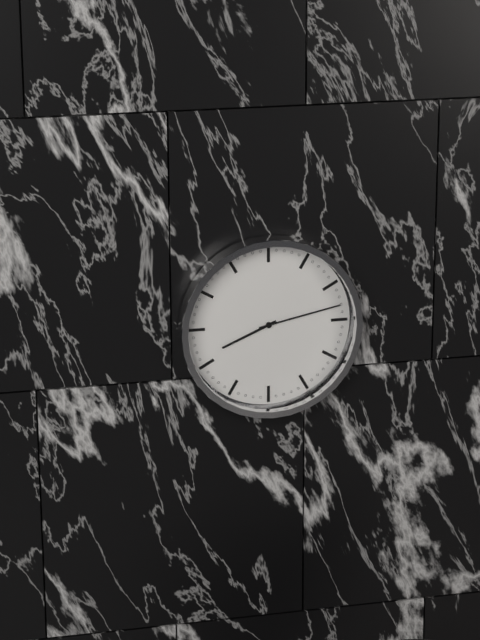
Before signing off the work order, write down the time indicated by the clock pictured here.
8:13
